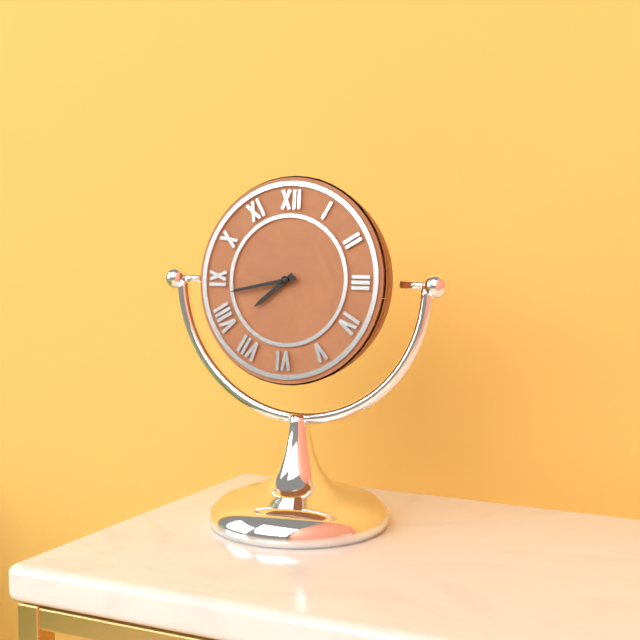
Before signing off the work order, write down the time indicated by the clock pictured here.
7:43
